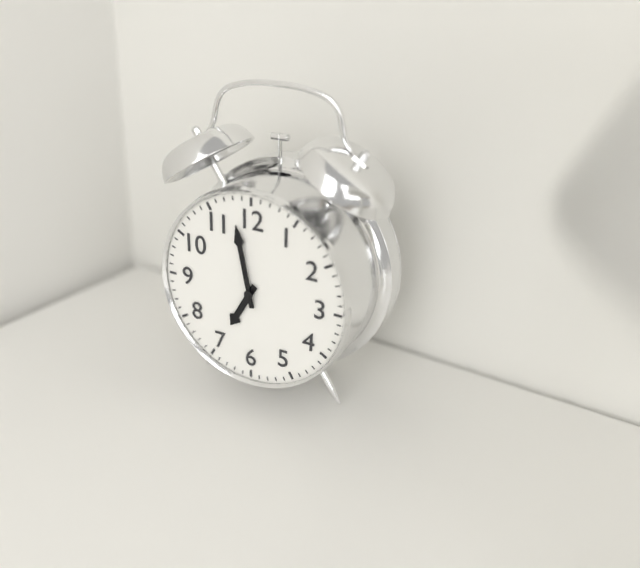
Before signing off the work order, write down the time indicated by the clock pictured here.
6:58
